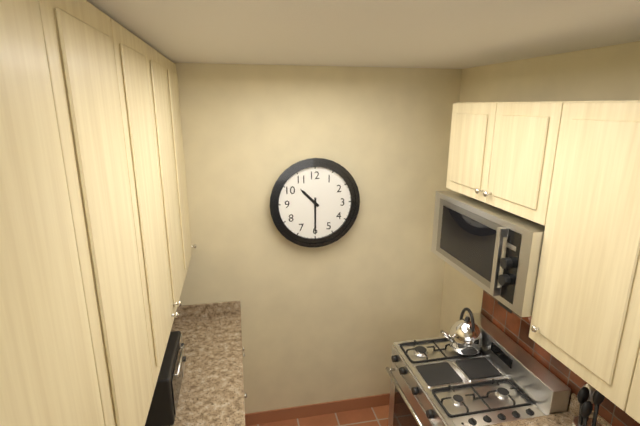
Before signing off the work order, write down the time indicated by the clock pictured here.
10:30
